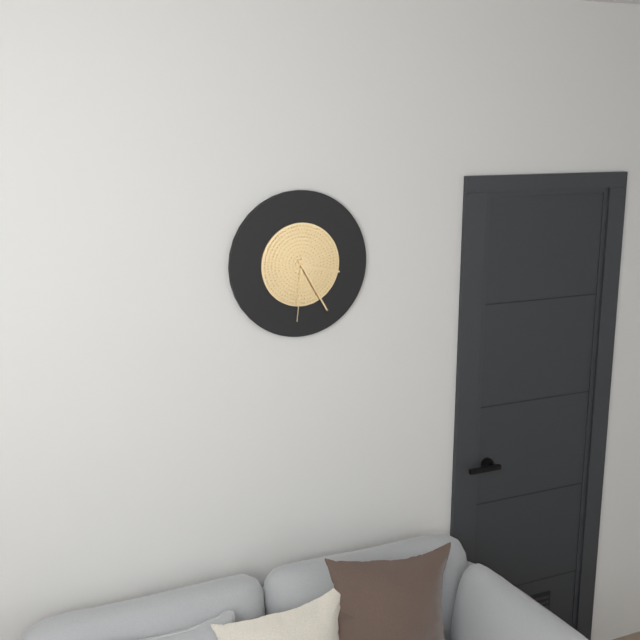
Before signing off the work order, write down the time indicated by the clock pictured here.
3:25:31
